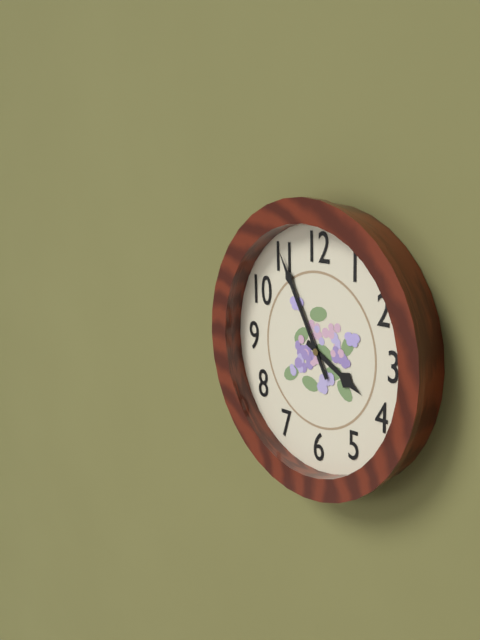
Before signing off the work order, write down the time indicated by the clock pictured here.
3:55
